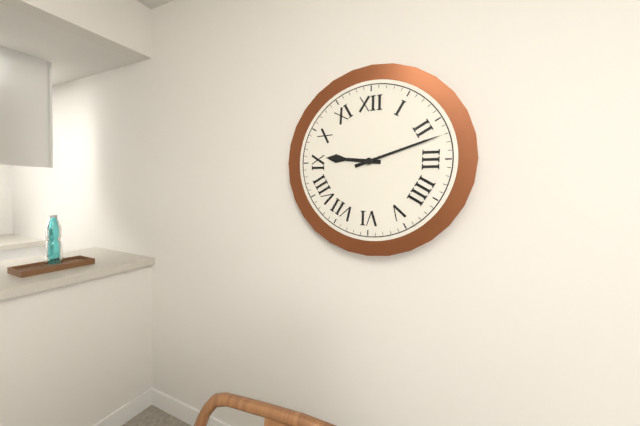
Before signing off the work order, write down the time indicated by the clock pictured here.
9:12
